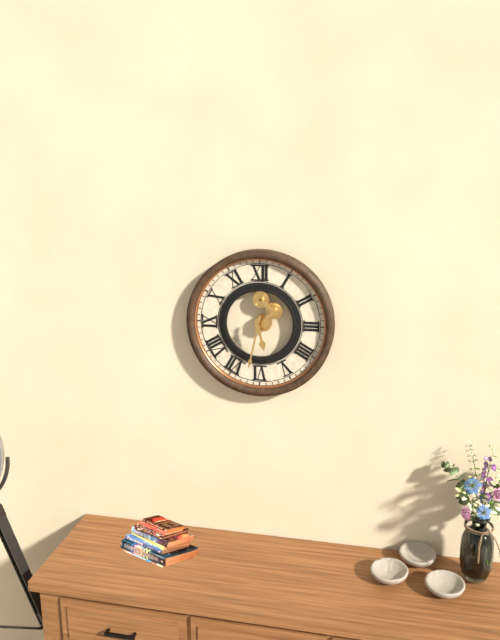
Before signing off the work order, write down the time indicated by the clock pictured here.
5:32
